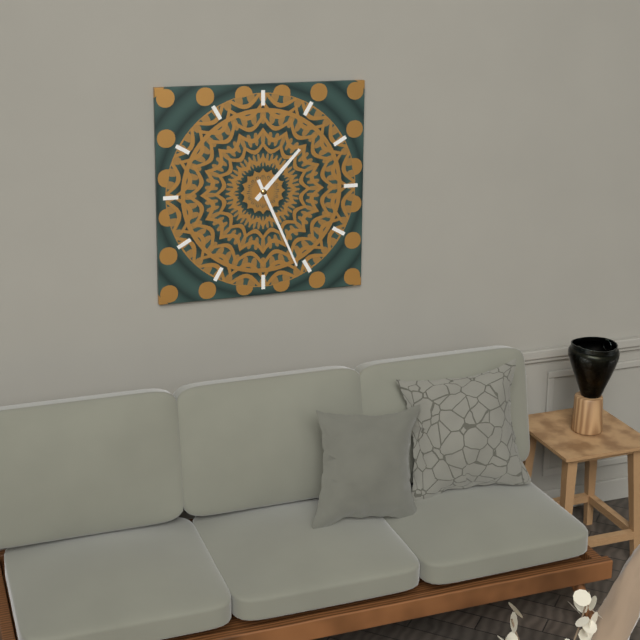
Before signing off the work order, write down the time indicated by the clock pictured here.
1:26
